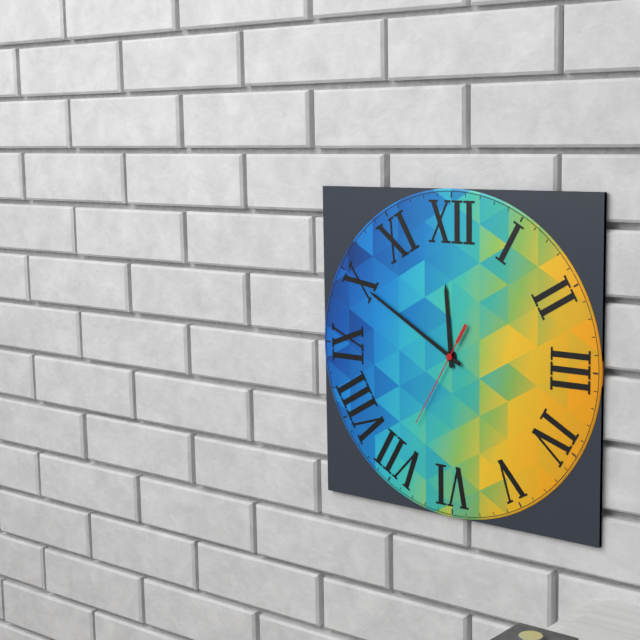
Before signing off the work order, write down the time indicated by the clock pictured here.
11:50:35
